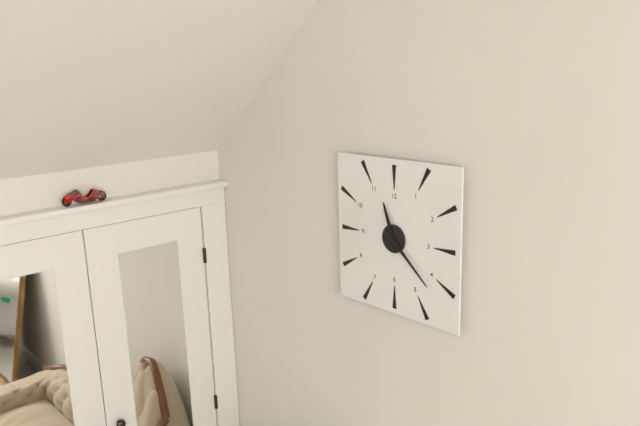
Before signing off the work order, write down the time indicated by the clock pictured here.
11:22
